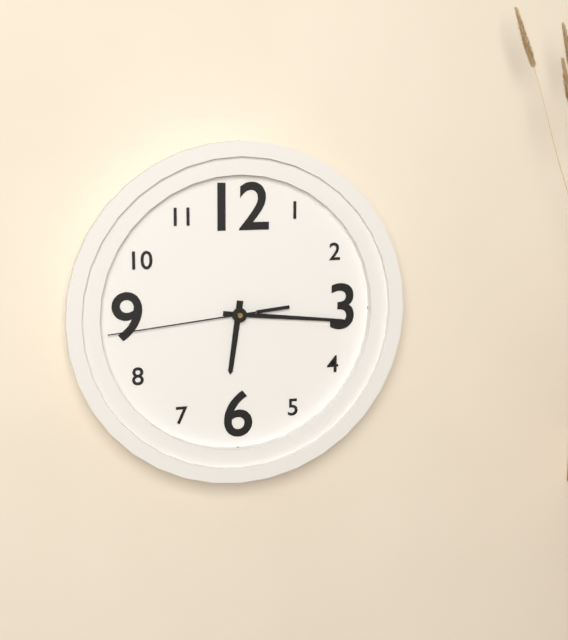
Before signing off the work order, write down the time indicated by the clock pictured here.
6:16:44
